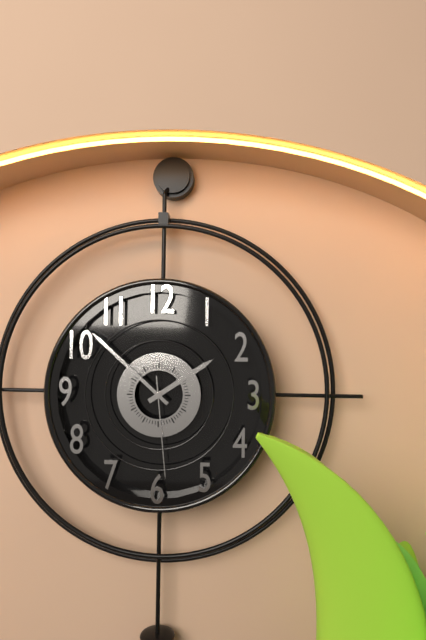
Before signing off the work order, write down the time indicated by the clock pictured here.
1:52:29
